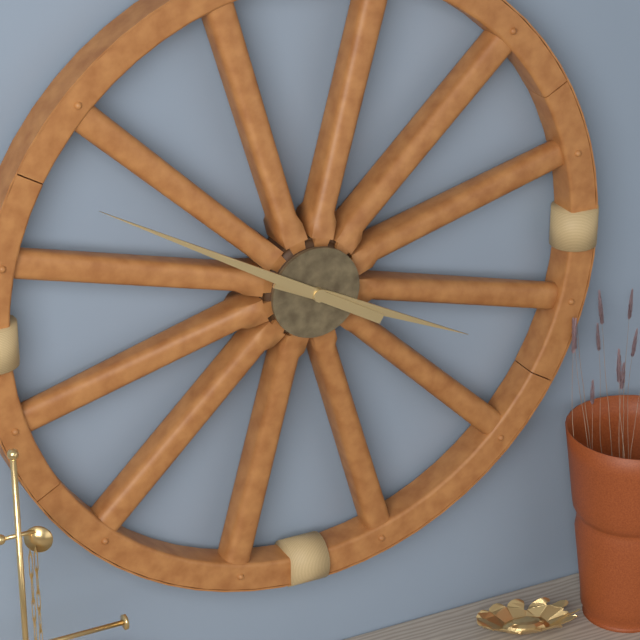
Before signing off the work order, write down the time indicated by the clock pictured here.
3:50
